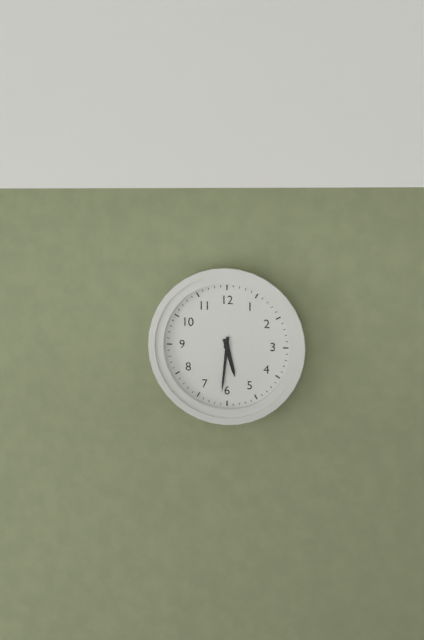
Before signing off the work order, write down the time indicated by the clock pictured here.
5:31
